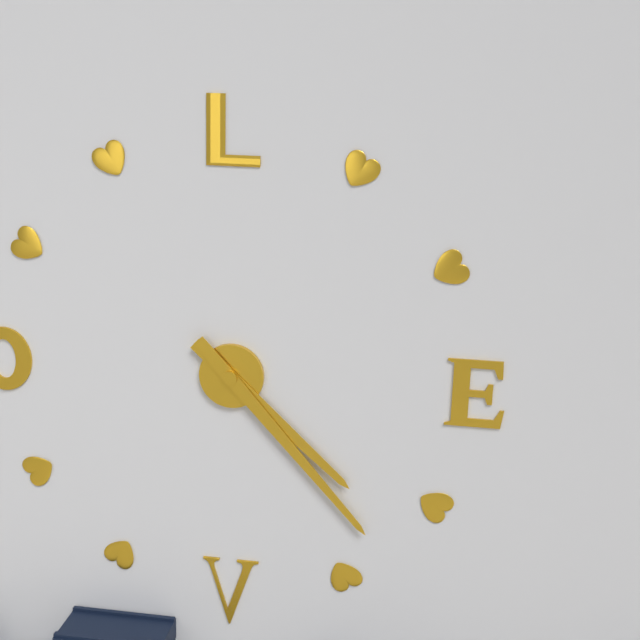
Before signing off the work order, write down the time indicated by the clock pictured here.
4:23
